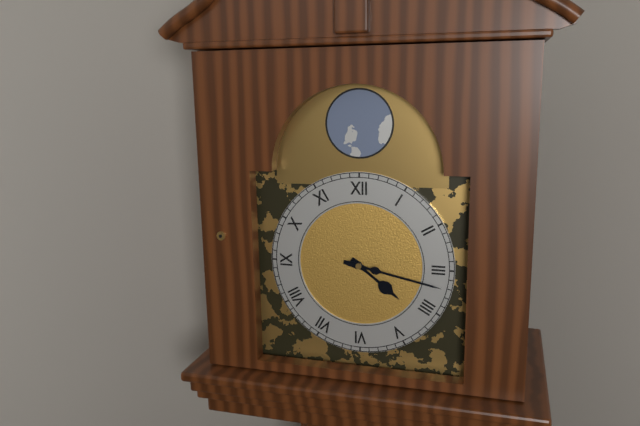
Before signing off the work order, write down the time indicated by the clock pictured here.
4:17
